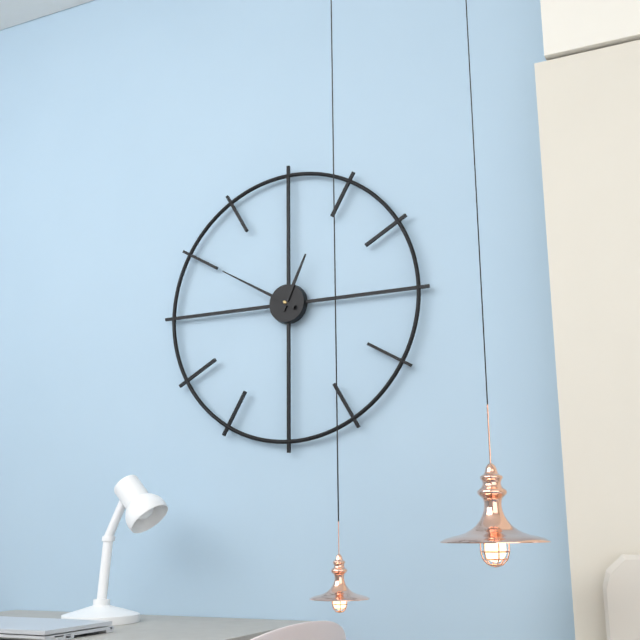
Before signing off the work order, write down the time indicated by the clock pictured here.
12:50
